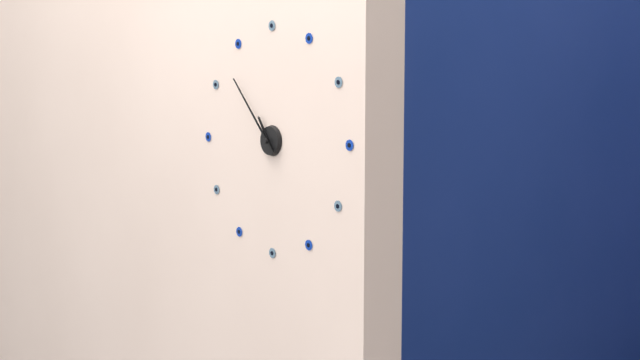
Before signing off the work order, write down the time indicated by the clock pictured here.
10:53
